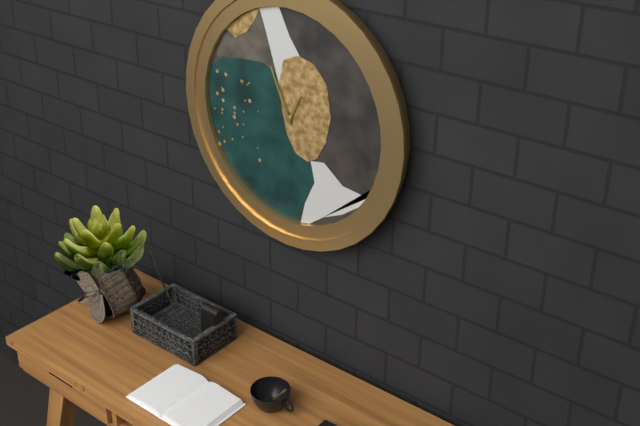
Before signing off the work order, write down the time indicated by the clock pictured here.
12:56
